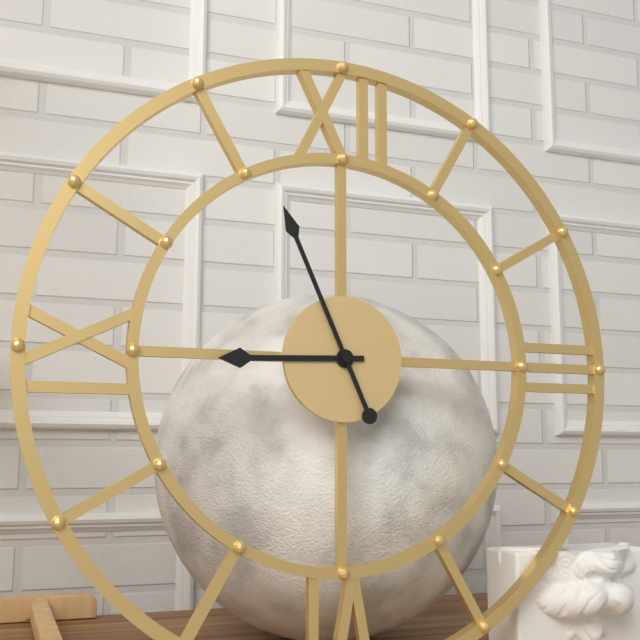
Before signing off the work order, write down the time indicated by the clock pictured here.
8:56
